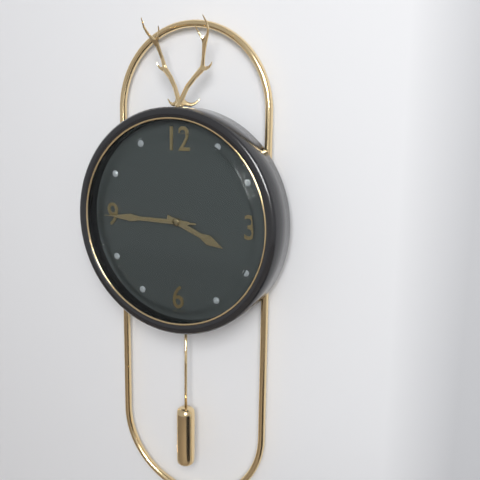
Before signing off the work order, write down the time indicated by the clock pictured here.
3:45:45
